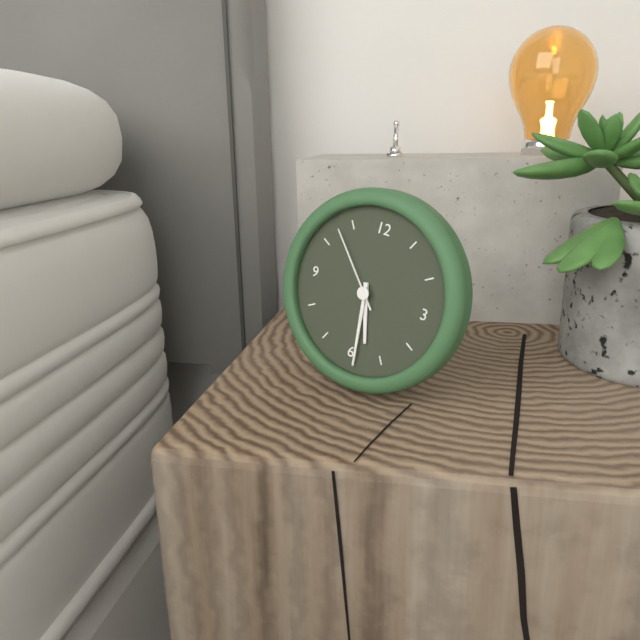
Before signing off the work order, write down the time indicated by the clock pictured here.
5:29:53
